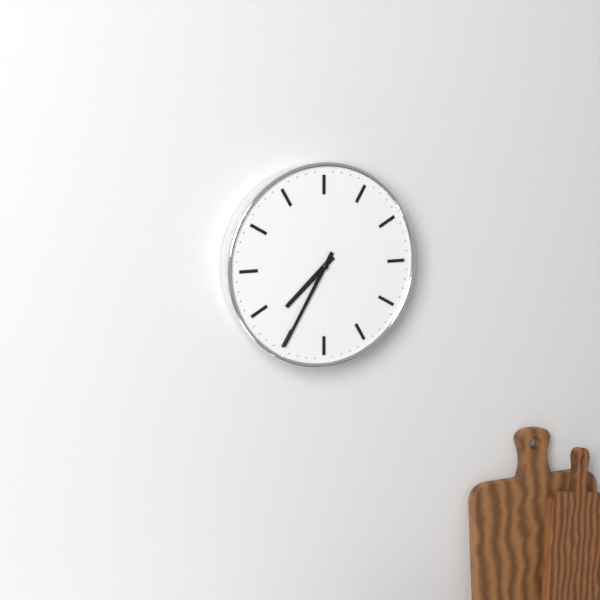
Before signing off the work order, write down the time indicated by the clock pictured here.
7:35
